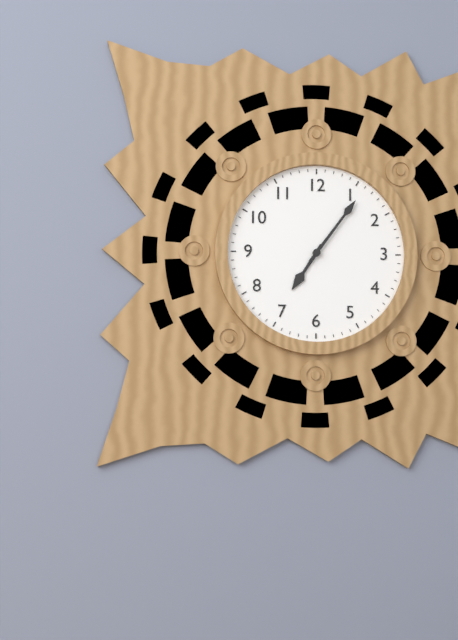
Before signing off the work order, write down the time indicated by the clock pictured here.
7:06
